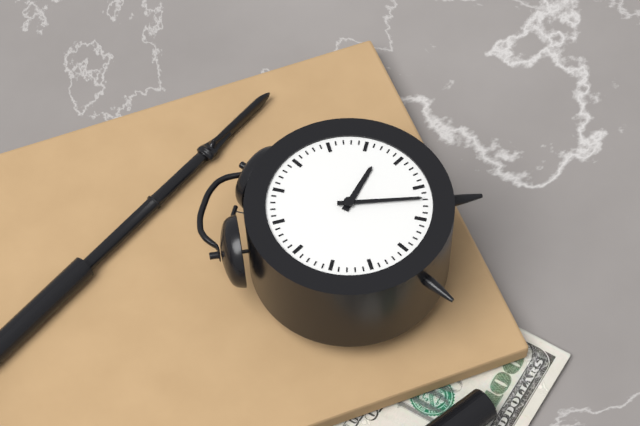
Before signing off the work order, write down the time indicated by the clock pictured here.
3:27
